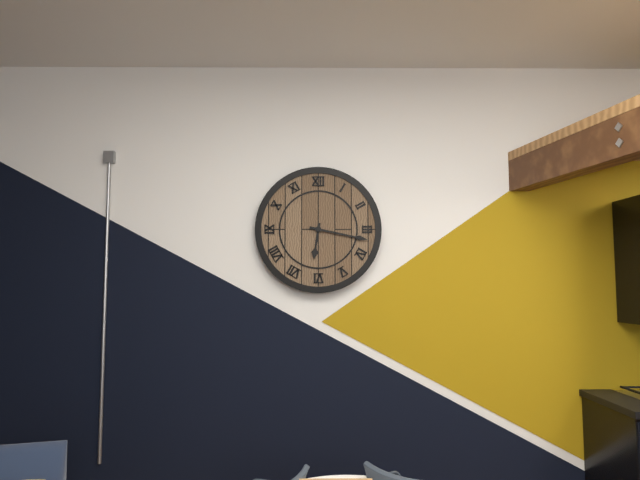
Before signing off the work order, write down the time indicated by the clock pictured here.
6:17
